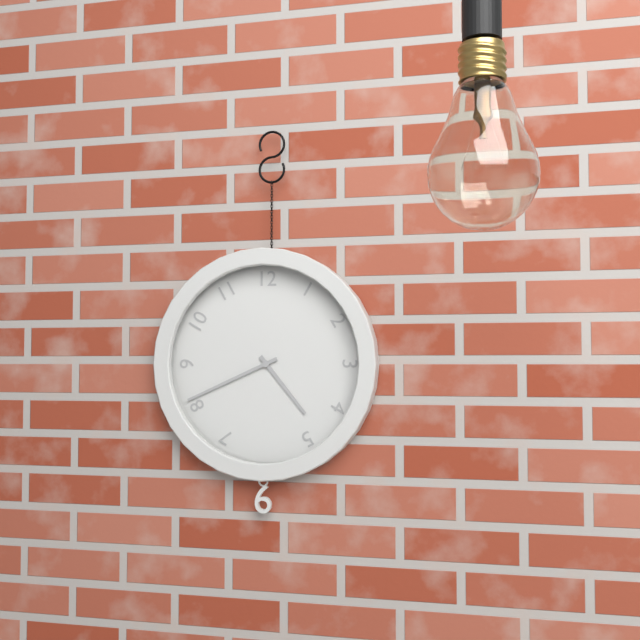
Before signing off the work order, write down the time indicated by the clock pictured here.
4:41
